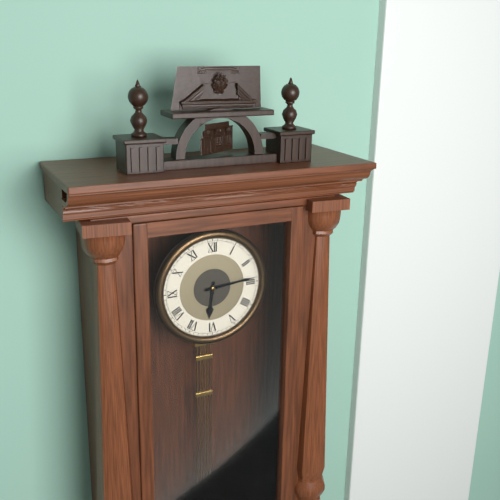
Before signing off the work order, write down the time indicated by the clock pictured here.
6:14
